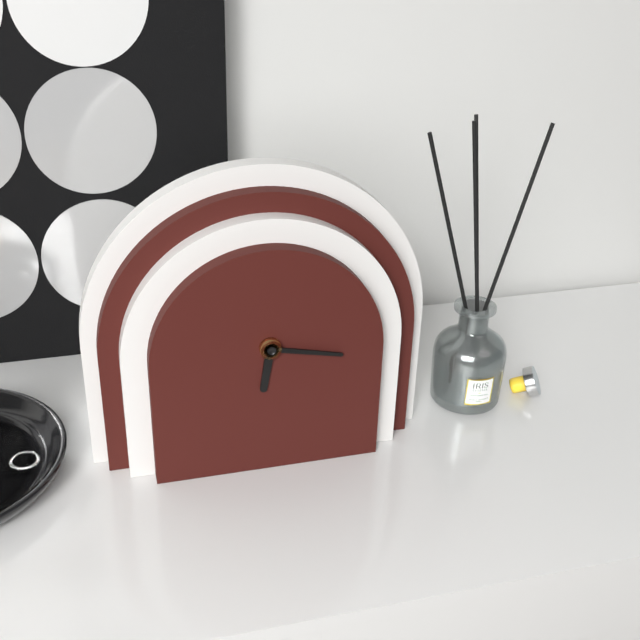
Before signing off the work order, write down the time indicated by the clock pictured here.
6:17
